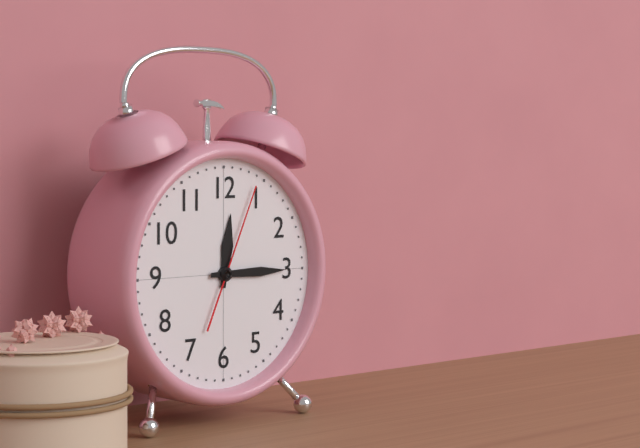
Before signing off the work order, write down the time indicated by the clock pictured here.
12:15:04
